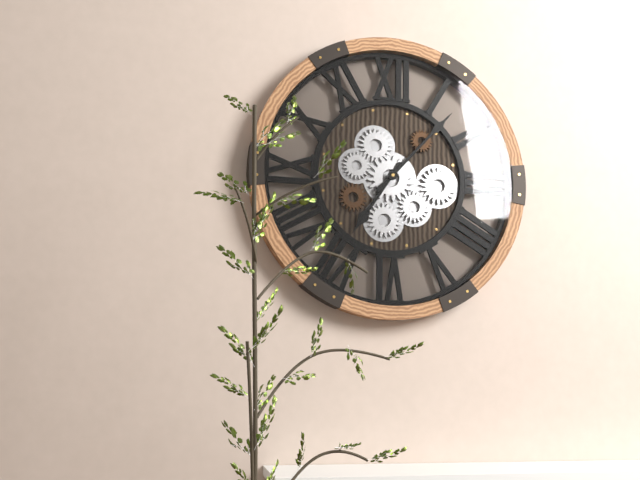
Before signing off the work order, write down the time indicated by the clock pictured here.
7:07
